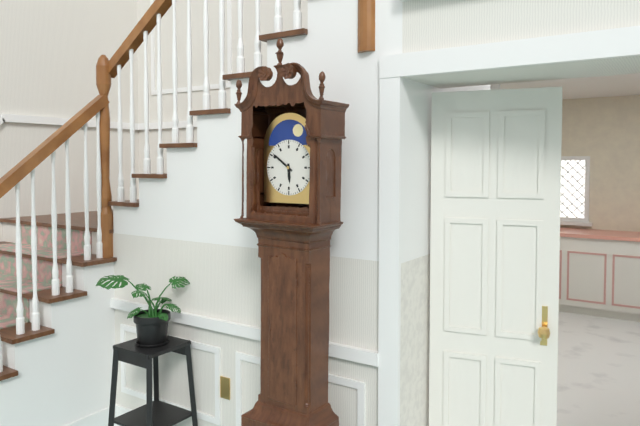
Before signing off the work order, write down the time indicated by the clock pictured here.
5:51
